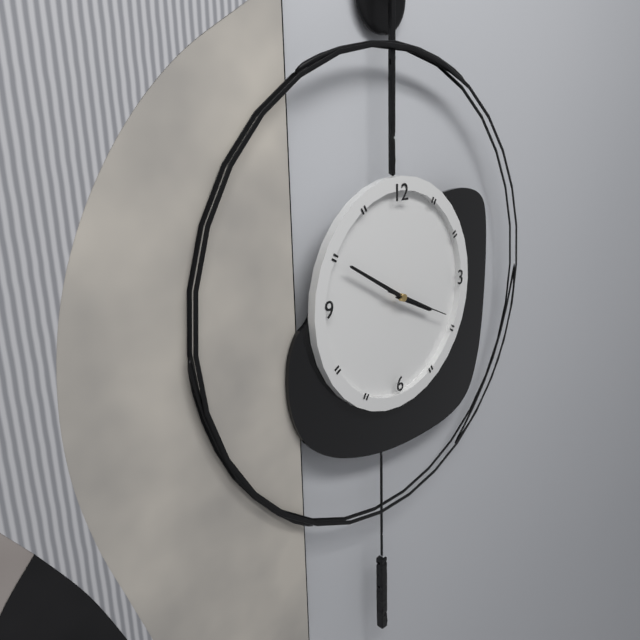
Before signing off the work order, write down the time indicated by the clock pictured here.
3:50:19
